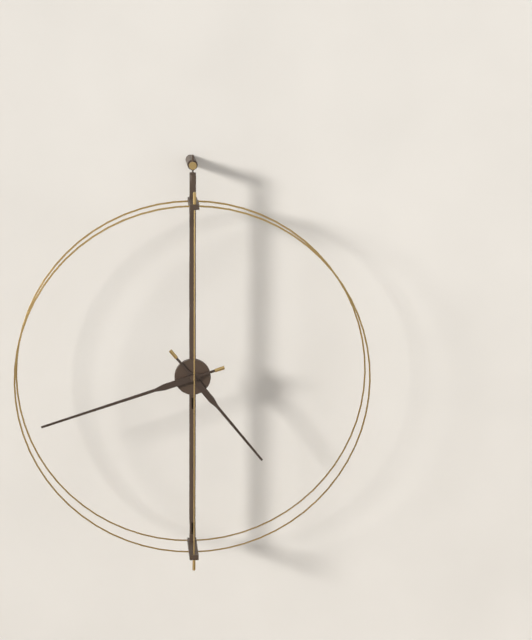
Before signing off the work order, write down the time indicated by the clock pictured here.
4:42
